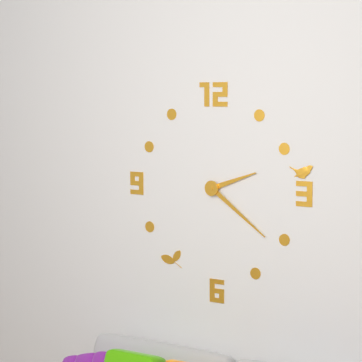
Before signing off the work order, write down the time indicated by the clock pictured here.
2:21
